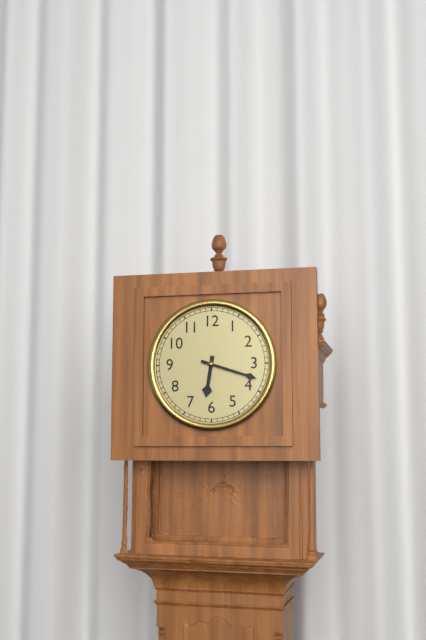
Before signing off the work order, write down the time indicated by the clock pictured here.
6:18
